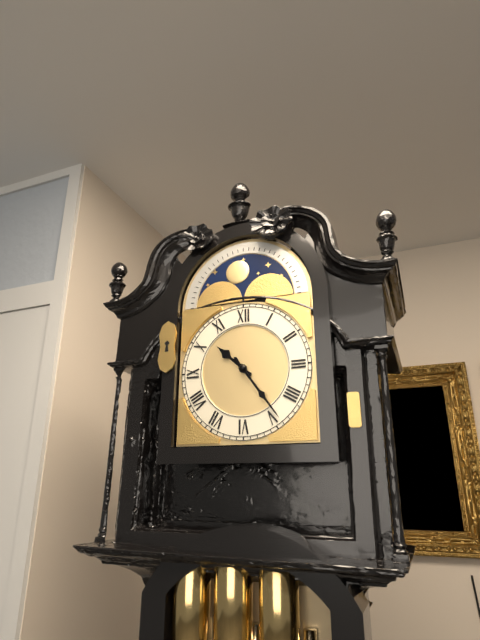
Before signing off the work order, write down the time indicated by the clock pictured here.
10:24
